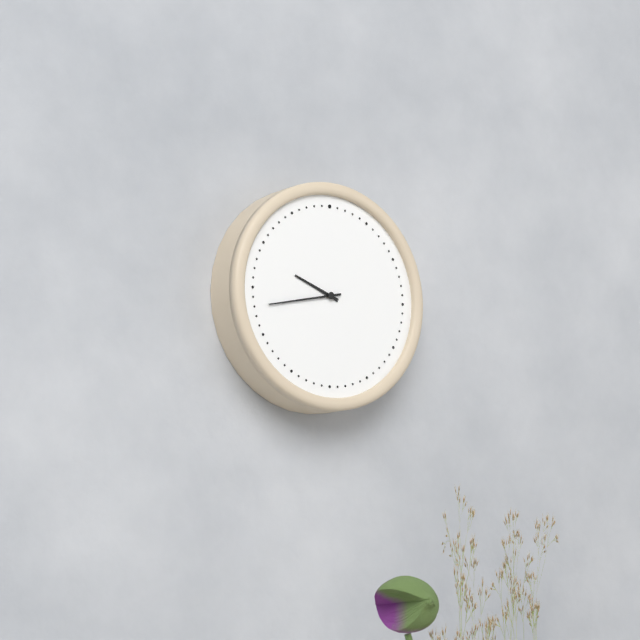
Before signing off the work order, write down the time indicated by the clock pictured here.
9:43
